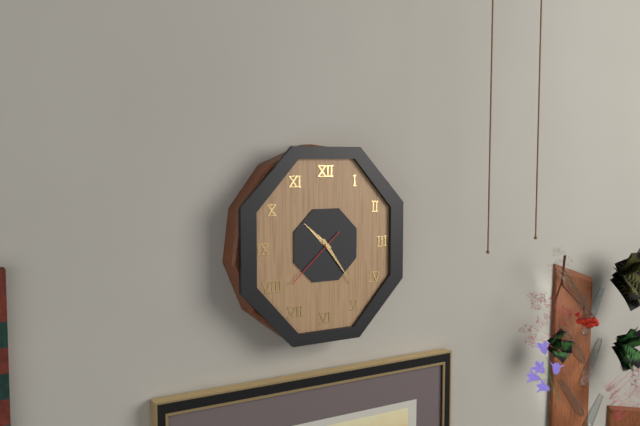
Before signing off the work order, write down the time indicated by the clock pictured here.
10:24:38
